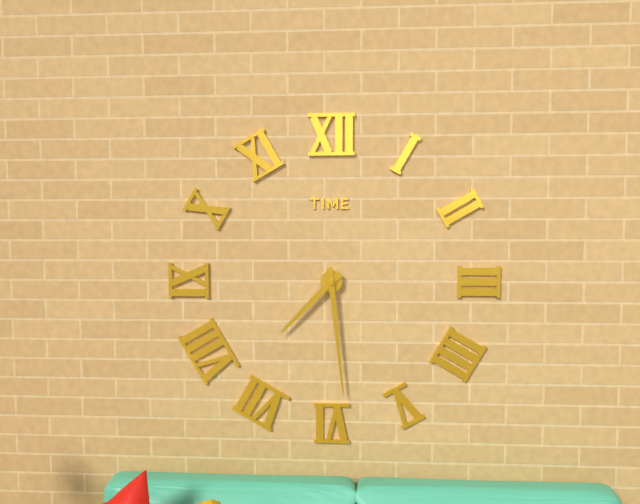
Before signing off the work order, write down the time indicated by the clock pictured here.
7:29
